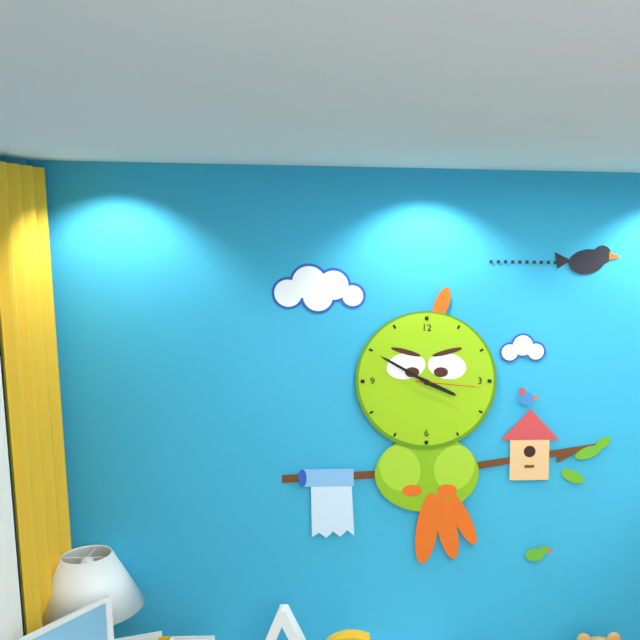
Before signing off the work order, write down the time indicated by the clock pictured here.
3:50:16
